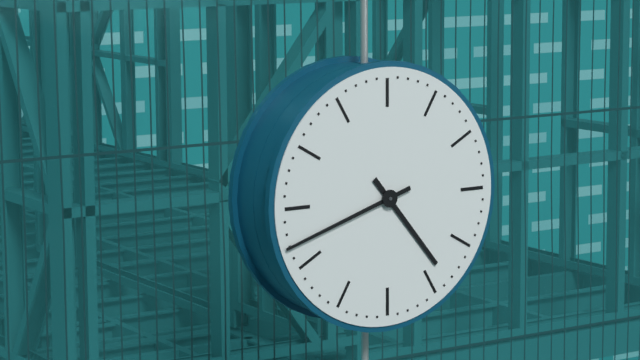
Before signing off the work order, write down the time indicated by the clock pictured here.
4:42
